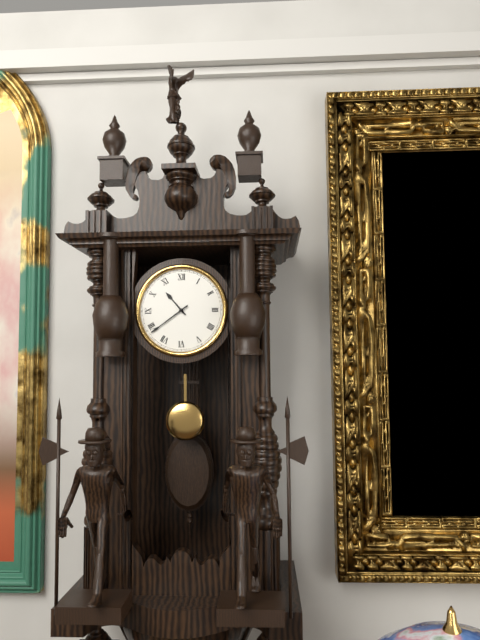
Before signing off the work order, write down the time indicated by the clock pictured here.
10:39
